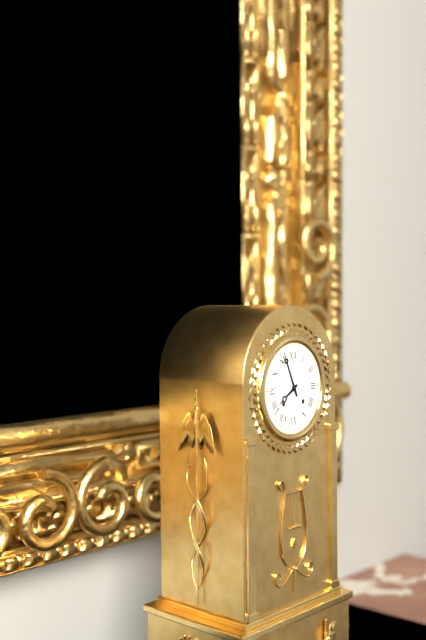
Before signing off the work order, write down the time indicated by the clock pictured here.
7:56
